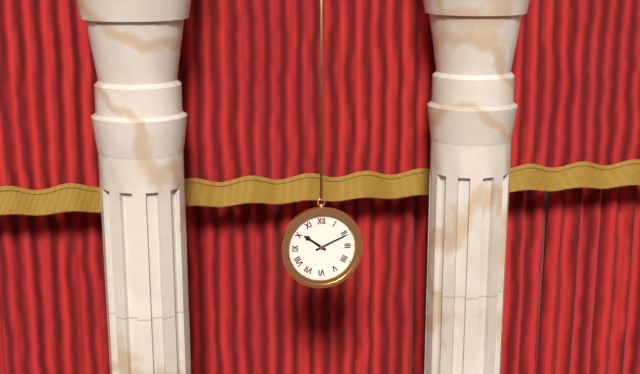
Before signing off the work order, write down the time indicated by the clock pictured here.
10:11
